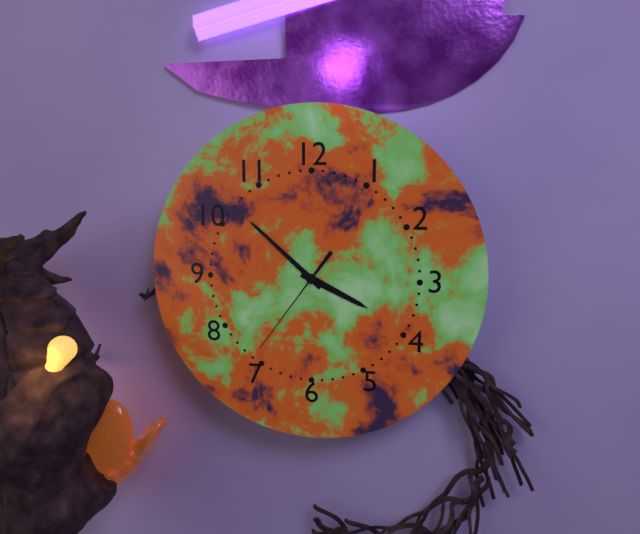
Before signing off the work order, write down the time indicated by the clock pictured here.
3:52:36
